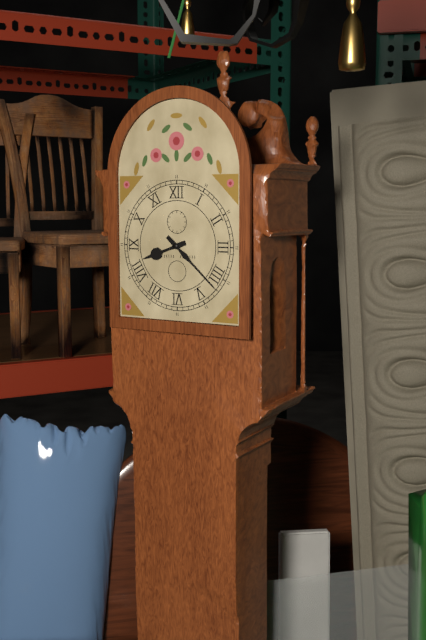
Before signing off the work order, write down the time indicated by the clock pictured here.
8:22
